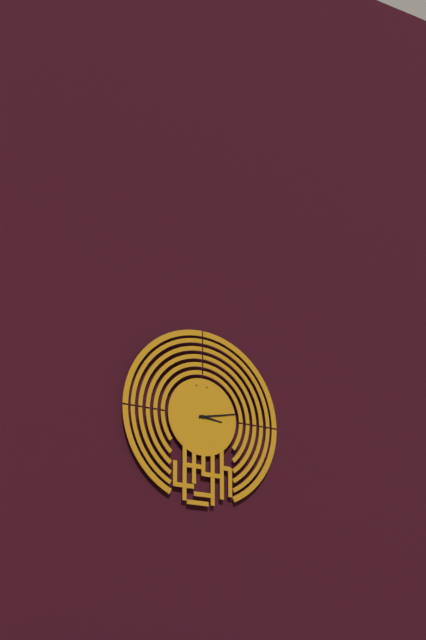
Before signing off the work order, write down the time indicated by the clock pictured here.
3:13
